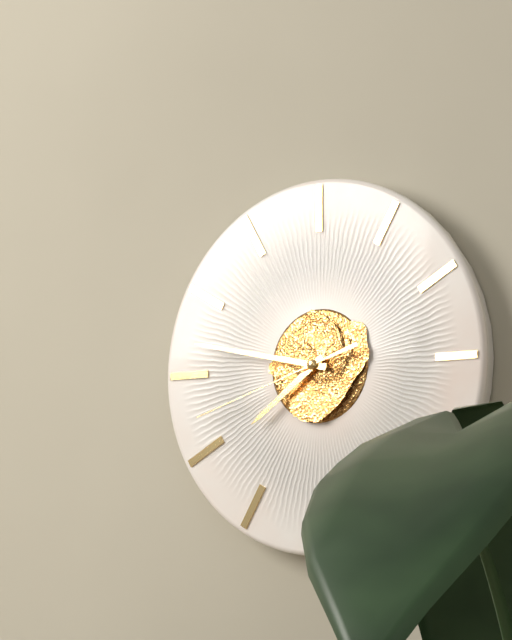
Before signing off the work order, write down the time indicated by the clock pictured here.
7:47:42
